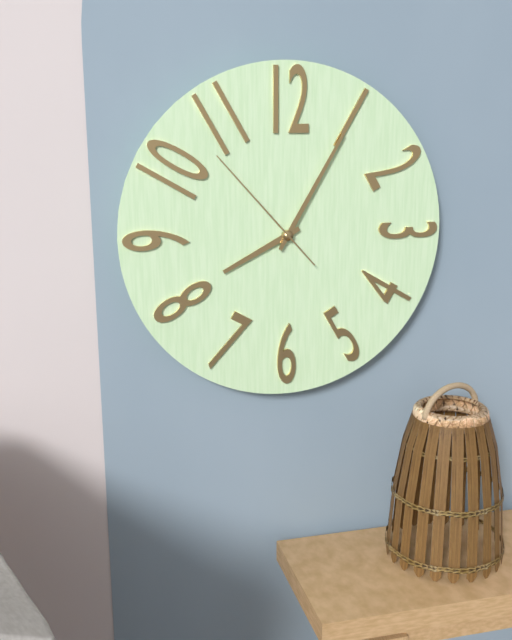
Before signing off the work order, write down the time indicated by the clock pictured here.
8:05:53
